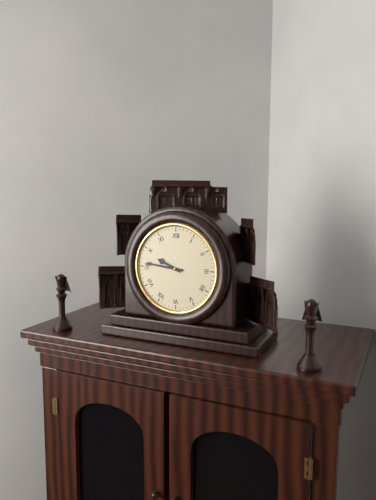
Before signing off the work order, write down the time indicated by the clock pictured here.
9:46
